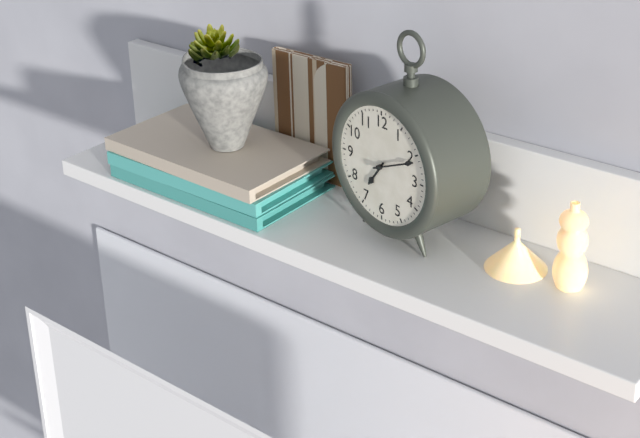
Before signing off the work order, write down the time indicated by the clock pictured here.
7:11
